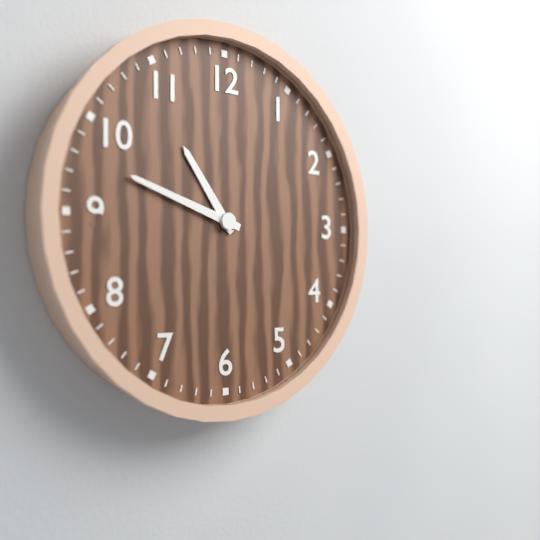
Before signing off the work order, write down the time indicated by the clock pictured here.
10:48
